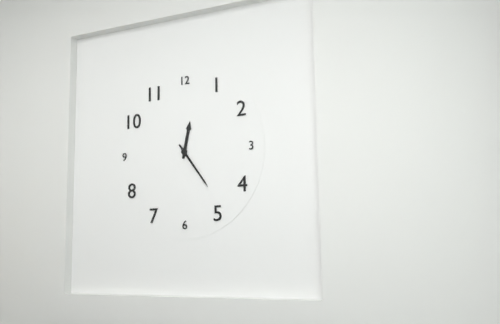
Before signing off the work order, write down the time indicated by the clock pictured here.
12:24
